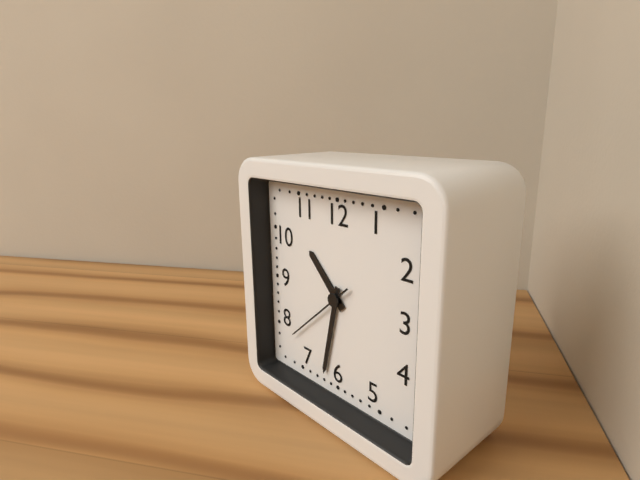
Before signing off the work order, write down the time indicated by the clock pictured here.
10:32:38
